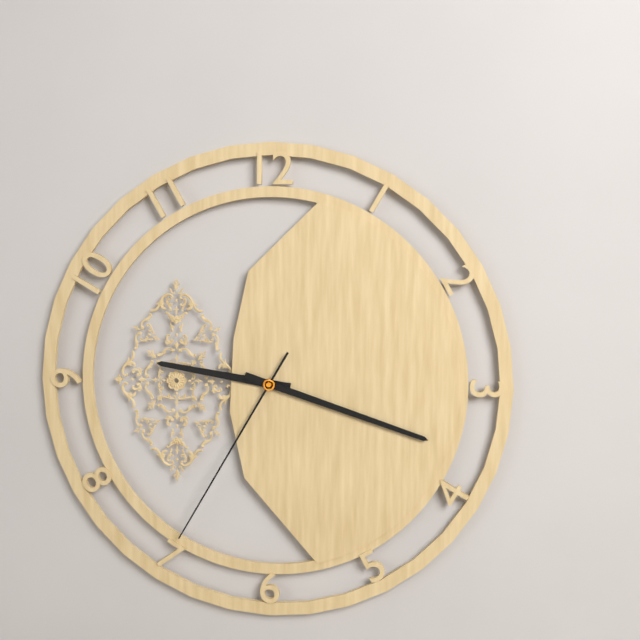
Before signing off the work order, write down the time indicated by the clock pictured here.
9:18:35
